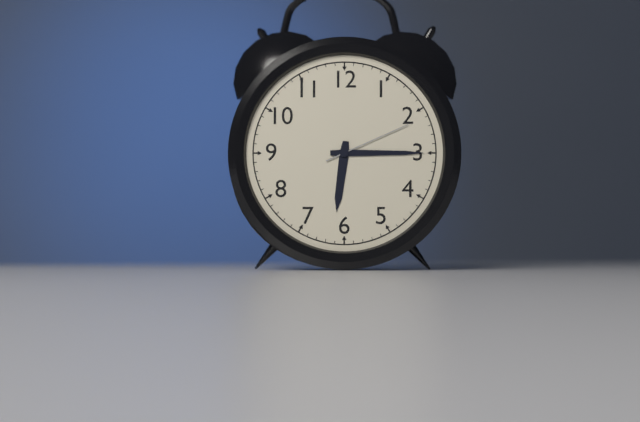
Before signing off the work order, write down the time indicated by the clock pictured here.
6:15:11
